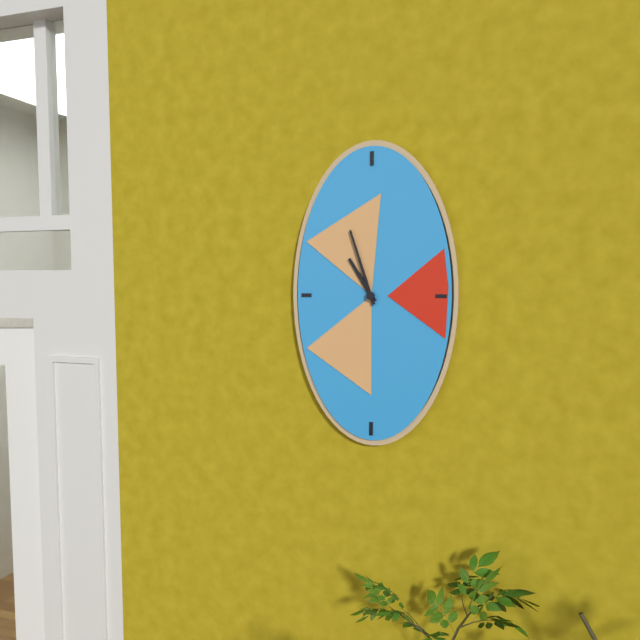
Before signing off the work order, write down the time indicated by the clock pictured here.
10:57
